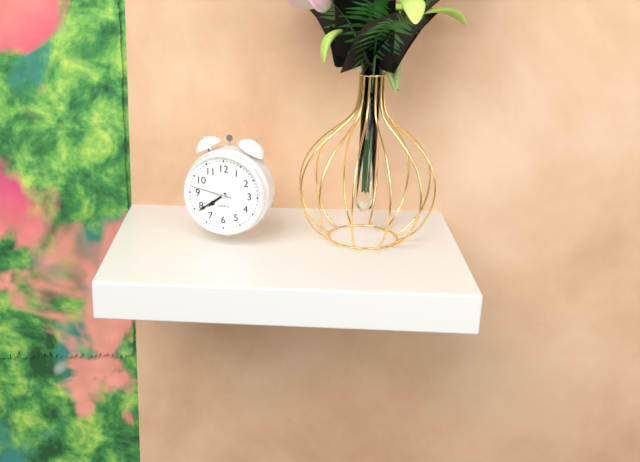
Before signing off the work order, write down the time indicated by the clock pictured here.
7:39
